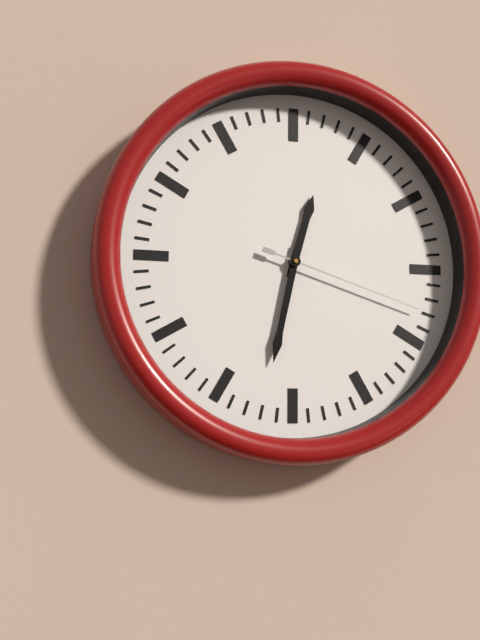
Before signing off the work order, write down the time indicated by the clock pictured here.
12:32:18
